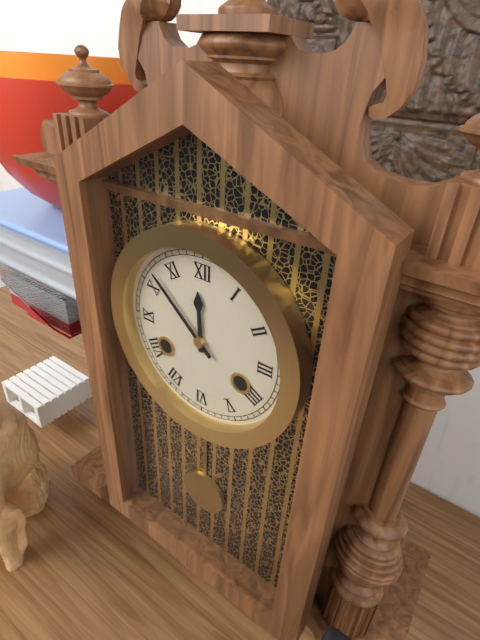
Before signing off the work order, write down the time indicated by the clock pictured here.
11:52
